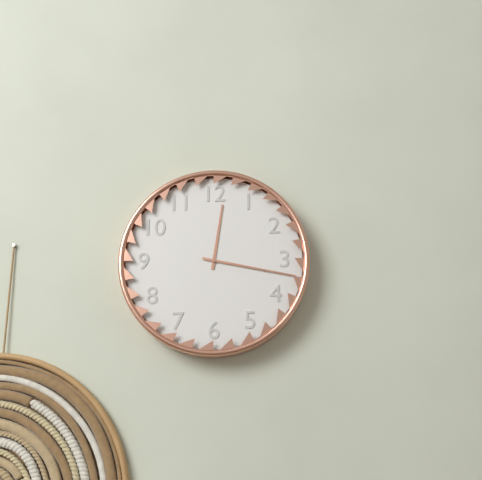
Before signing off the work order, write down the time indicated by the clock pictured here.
12:17
